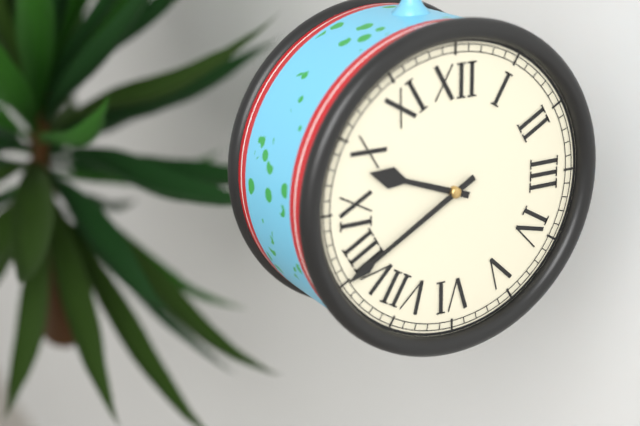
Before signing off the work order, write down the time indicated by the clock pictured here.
9:40
